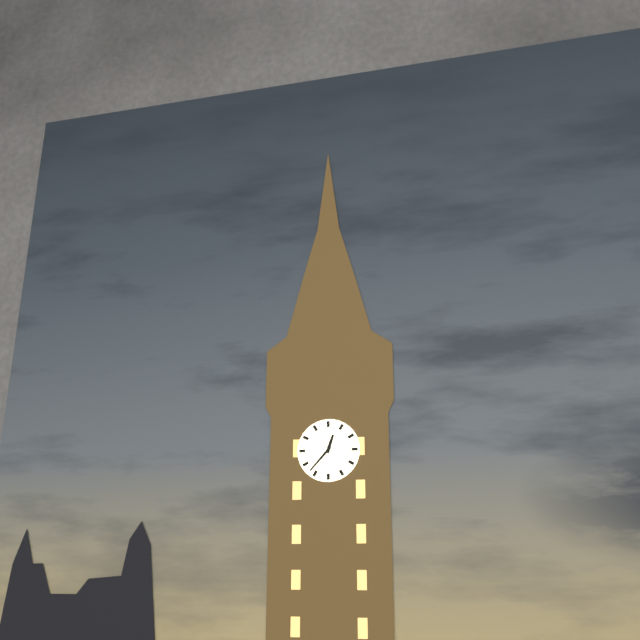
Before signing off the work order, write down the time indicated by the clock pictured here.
12:37
